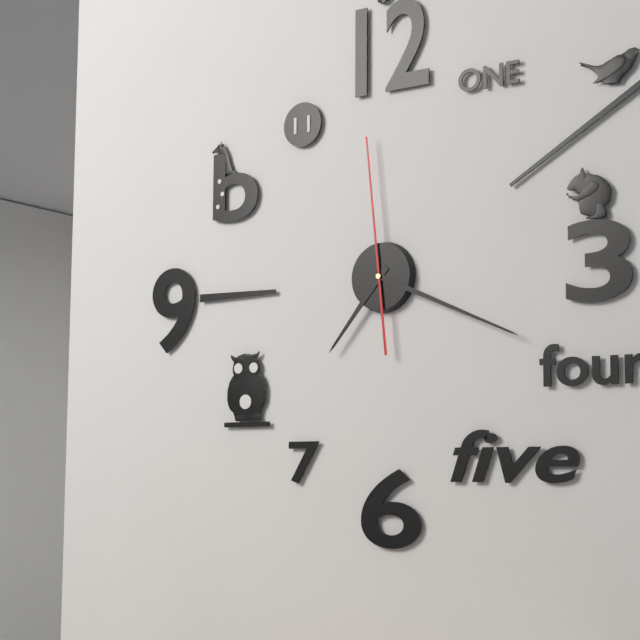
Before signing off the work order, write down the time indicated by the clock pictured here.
7:19:59
